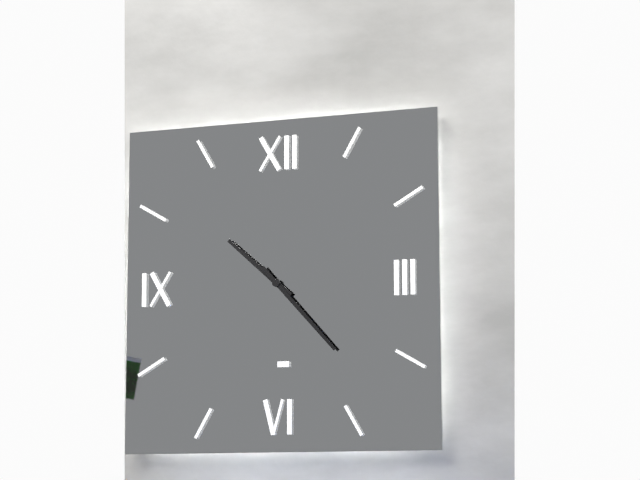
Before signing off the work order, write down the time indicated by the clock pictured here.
10:23
